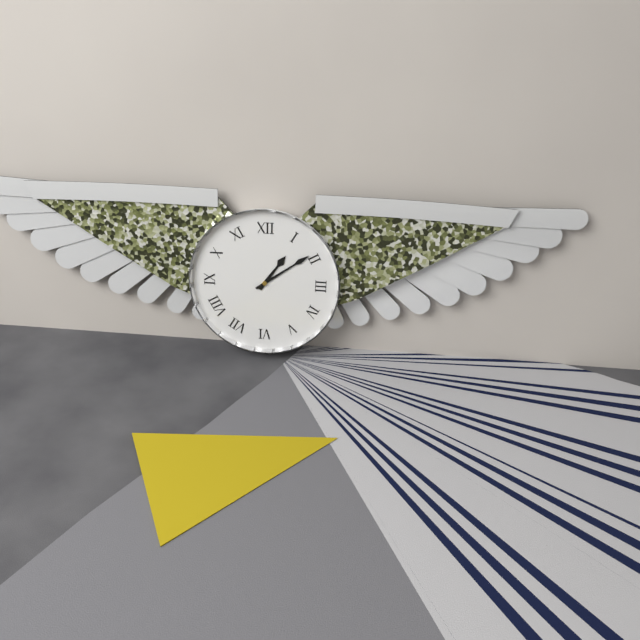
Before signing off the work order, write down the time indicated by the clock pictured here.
1:09
